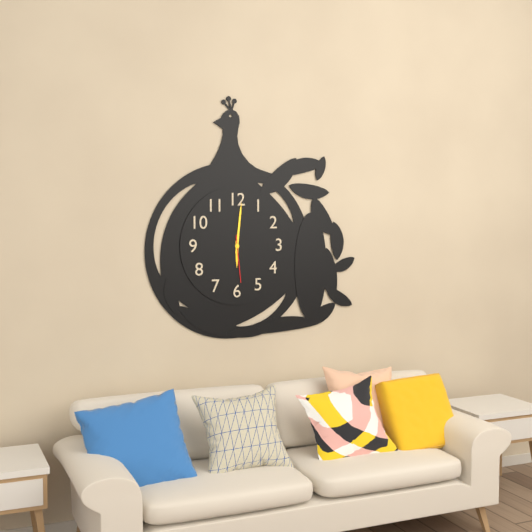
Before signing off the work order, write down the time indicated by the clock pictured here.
6:01
